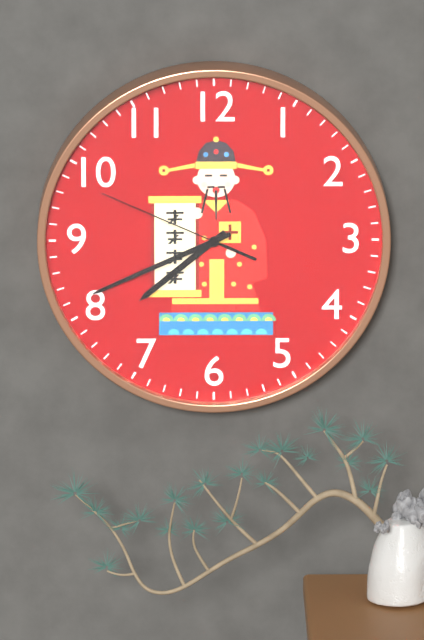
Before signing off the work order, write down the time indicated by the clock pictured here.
7:41:49
